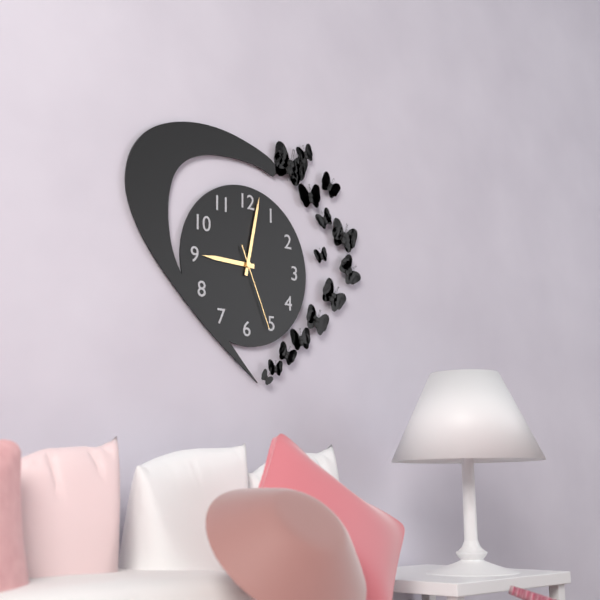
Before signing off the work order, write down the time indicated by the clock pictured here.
9:02:26
